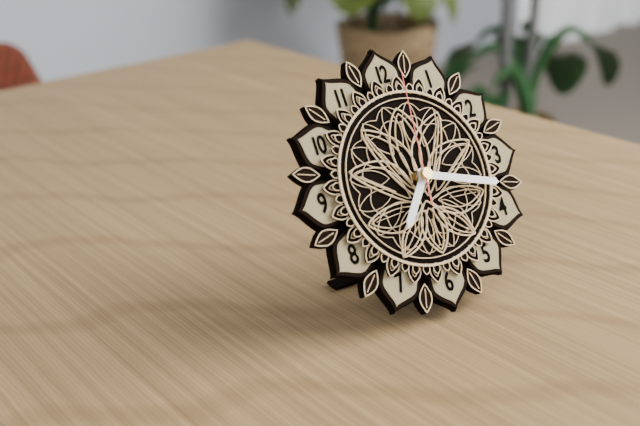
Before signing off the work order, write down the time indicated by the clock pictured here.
7:18:01
